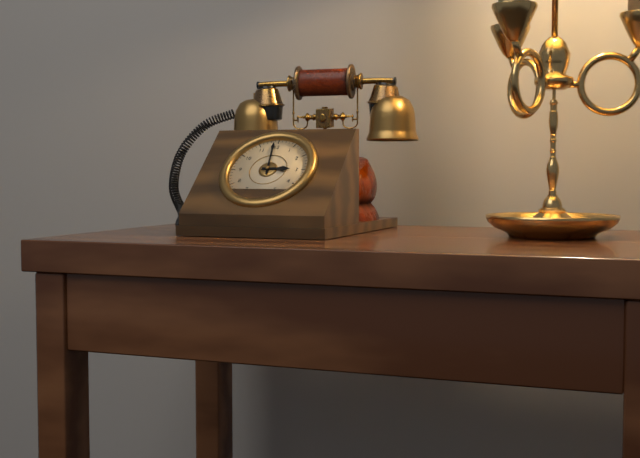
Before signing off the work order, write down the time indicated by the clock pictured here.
2:59
